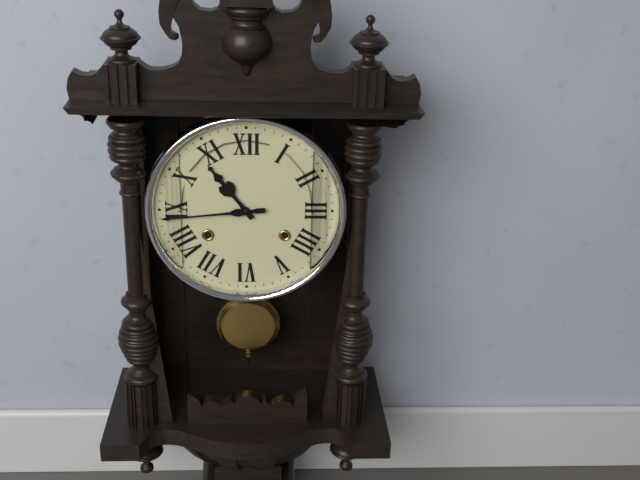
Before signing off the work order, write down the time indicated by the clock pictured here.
10:44
